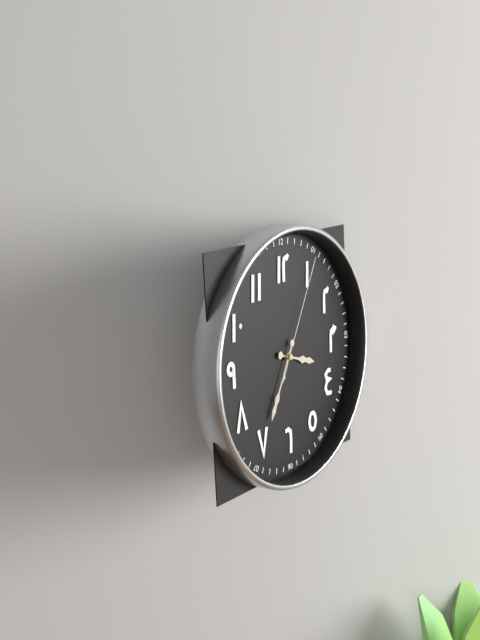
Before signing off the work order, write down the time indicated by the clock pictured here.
3:35:05
